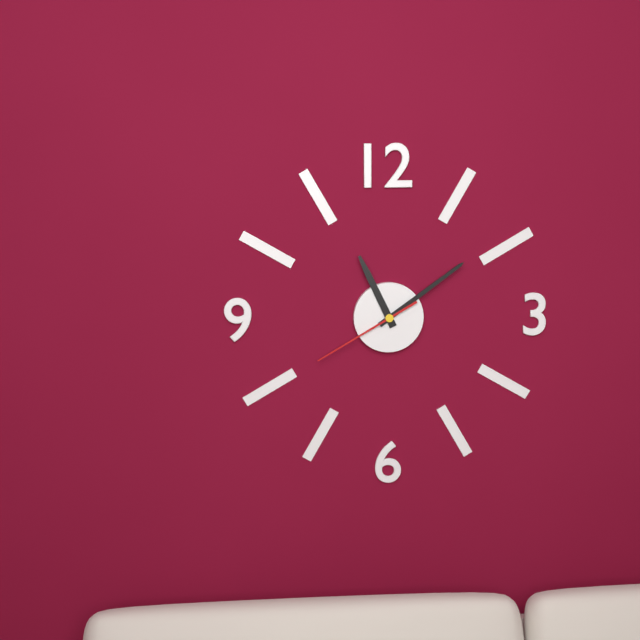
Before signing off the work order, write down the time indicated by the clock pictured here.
11:09:40
